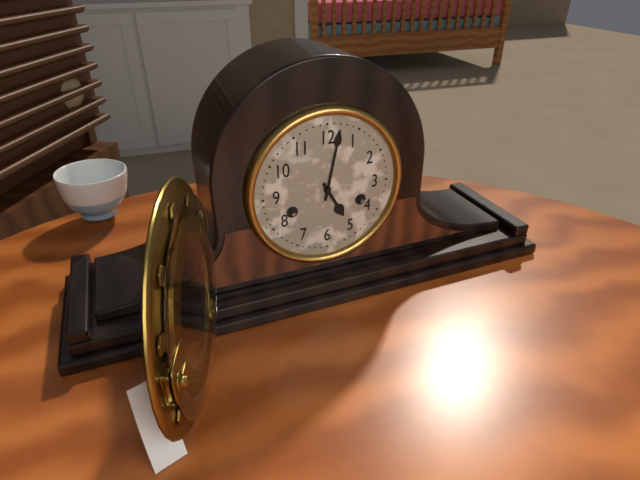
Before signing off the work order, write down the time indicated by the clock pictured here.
5:02
